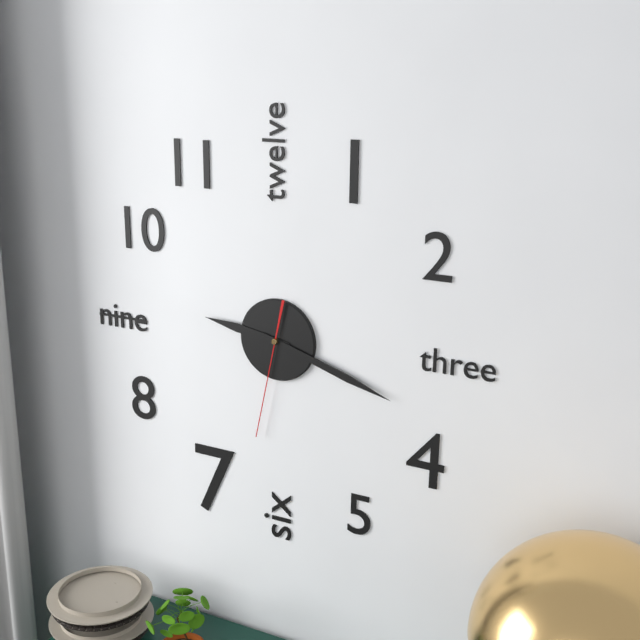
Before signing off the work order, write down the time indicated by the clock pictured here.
9:18:32
